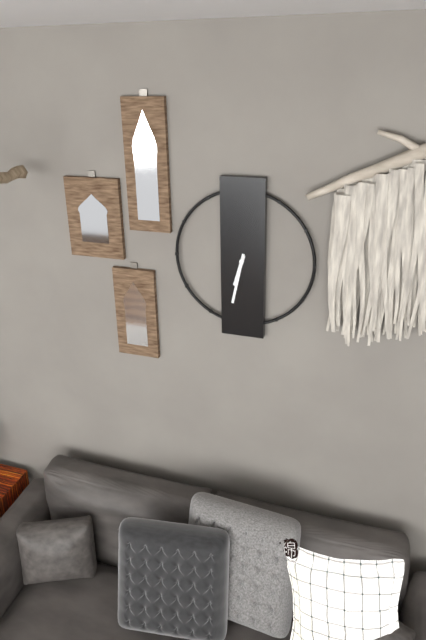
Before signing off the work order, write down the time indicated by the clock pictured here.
6:32
